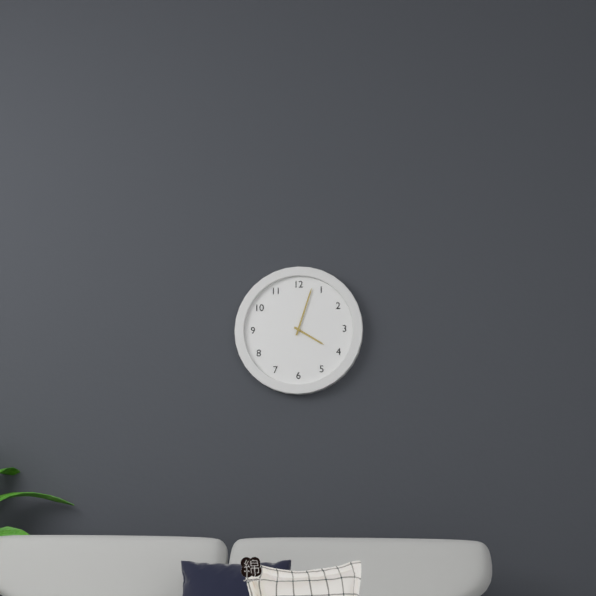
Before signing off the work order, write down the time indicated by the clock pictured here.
4:03
